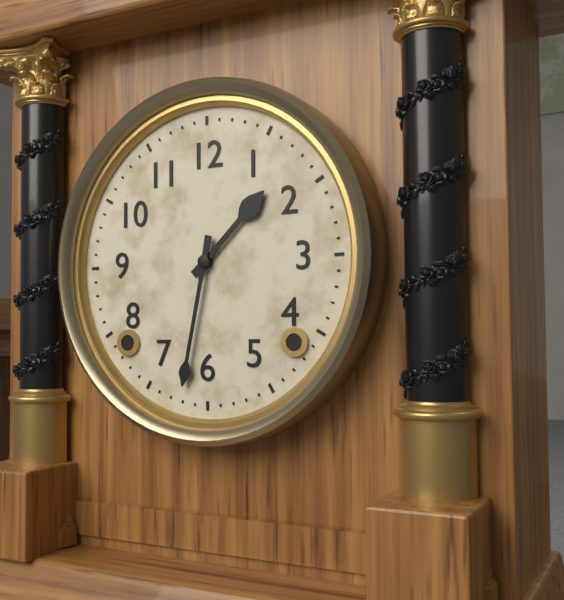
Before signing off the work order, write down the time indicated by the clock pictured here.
1:32
